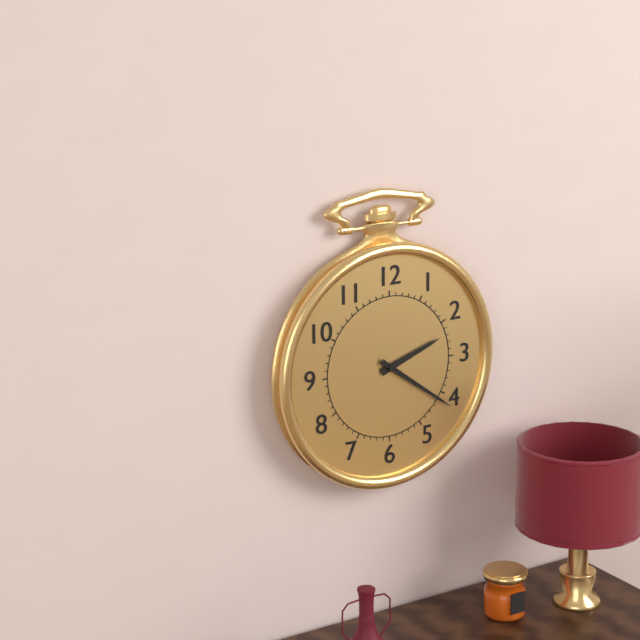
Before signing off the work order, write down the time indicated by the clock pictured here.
2:21
